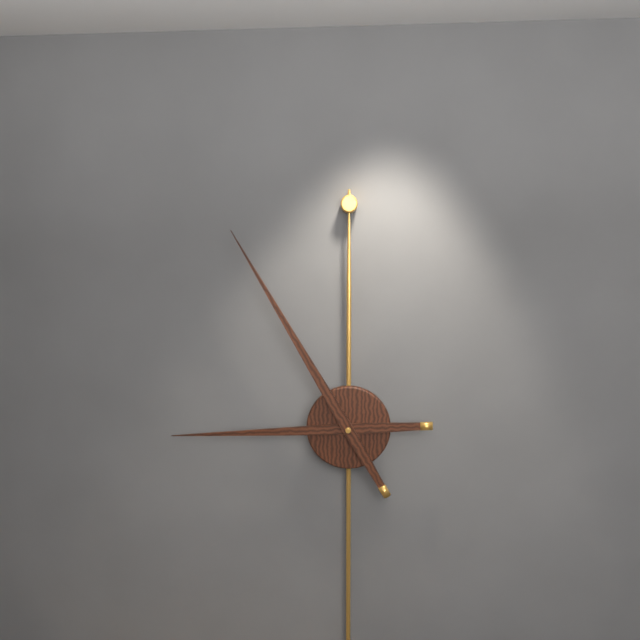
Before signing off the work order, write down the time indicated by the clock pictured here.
8:55
